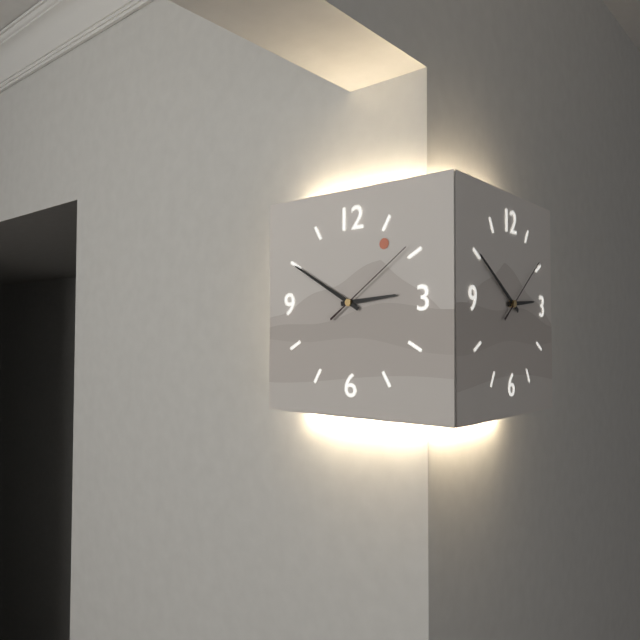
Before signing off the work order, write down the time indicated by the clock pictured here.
2:50:09
